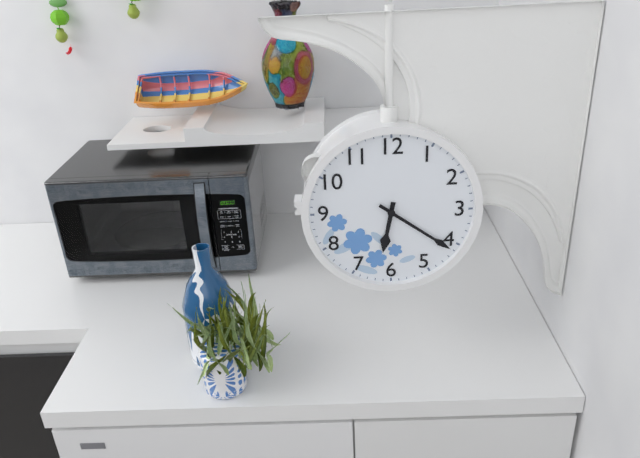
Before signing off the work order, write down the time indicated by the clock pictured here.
6:21
